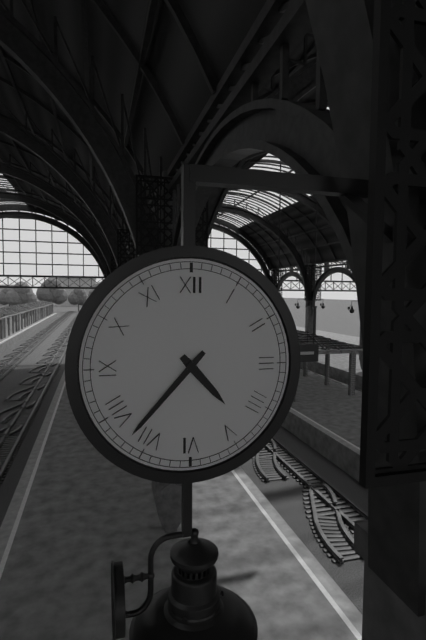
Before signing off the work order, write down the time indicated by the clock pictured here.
4:37
